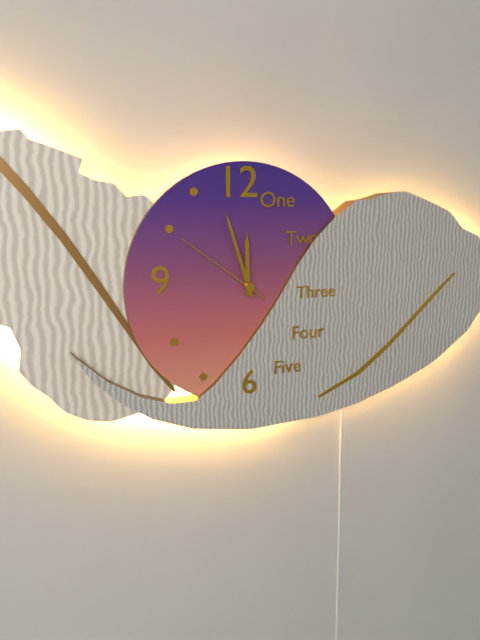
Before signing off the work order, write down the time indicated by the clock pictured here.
11:57:51
